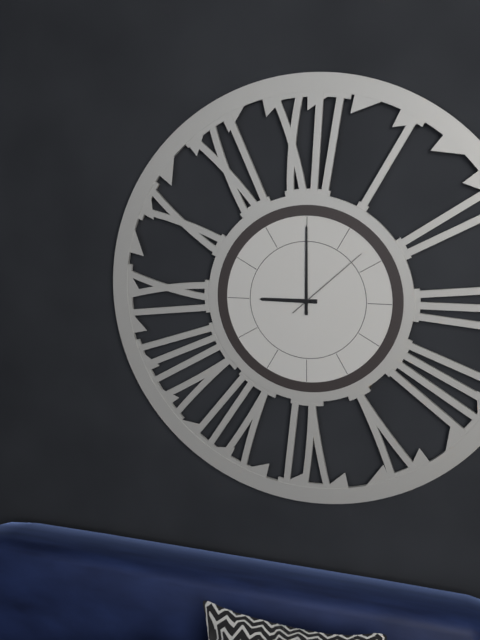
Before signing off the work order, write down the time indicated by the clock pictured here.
9:00:08
